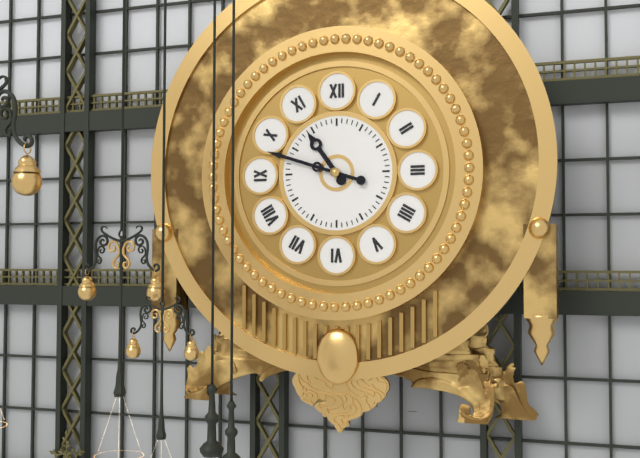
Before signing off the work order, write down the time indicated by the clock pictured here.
10:48
